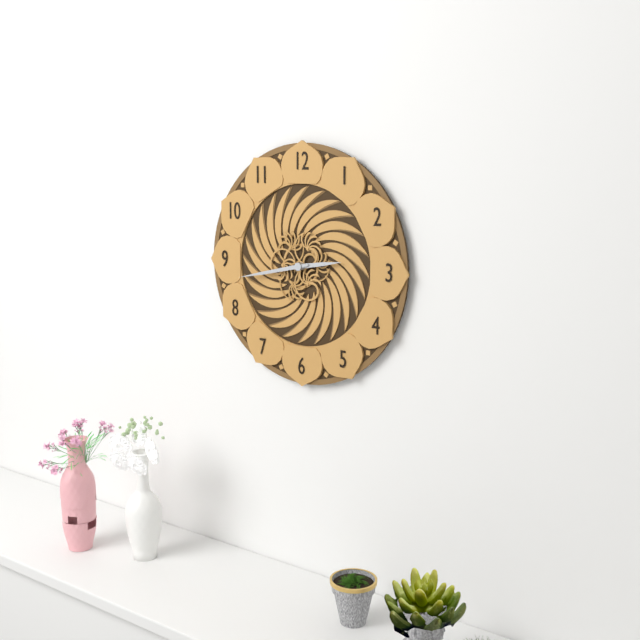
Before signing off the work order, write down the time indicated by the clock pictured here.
2:43
